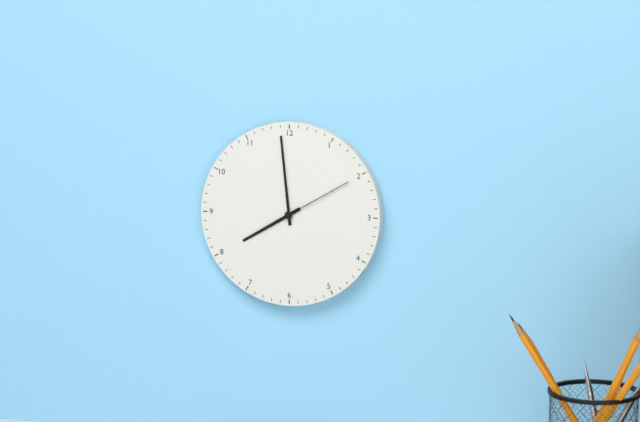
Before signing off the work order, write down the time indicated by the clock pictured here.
7:59:10
